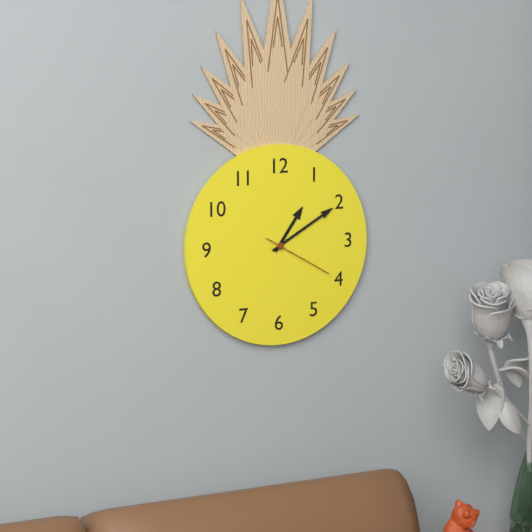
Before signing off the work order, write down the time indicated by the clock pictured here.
1:10:20
